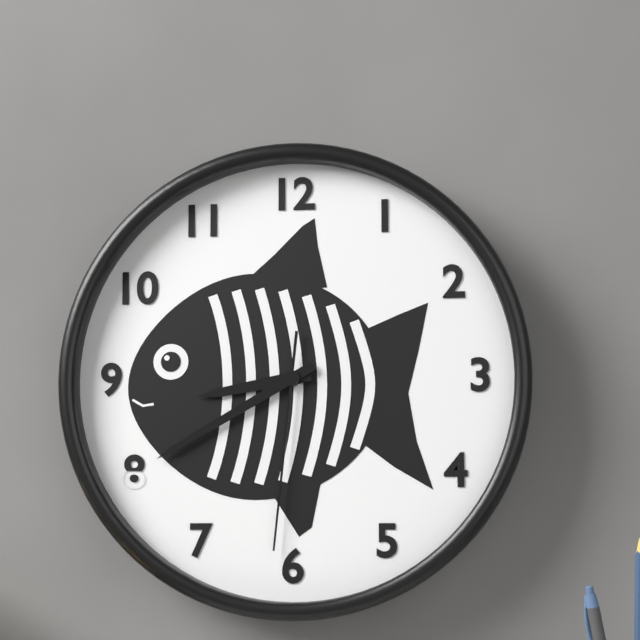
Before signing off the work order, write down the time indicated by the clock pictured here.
8:40:31
